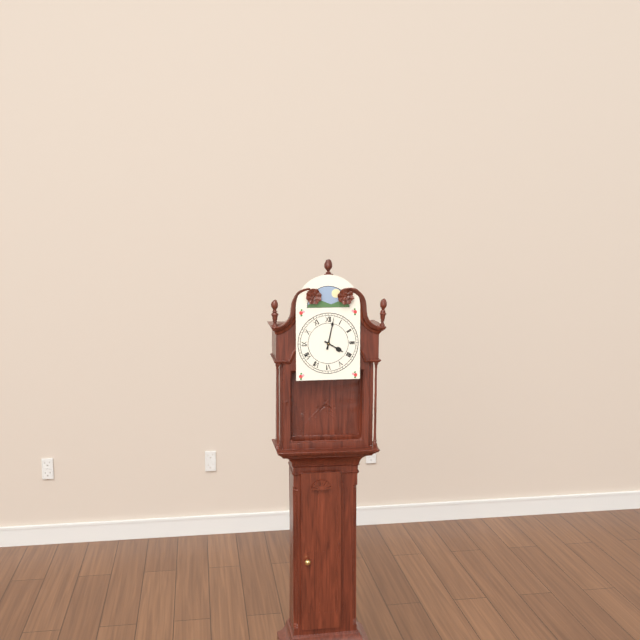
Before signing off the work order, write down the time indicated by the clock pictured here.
4:02
